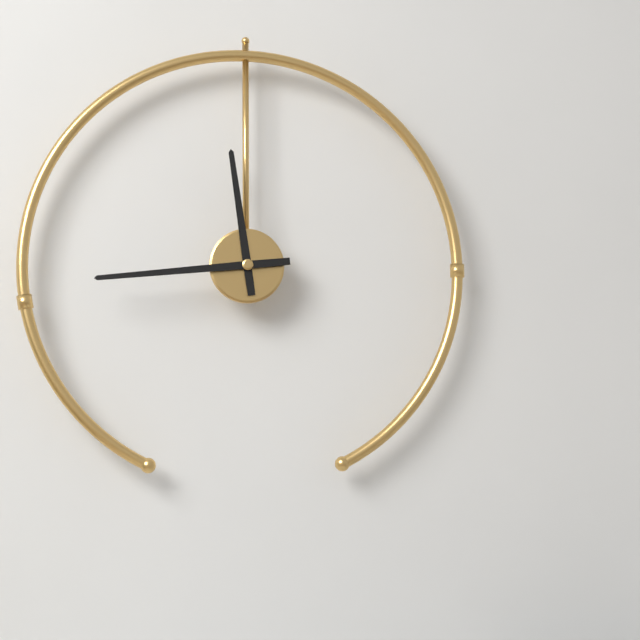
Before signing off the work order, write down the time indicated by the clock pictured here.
11:44
